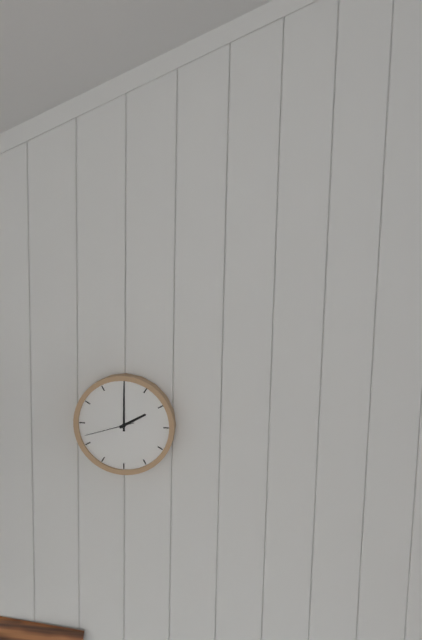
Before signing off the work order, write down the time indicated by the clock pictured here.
2:00:42
